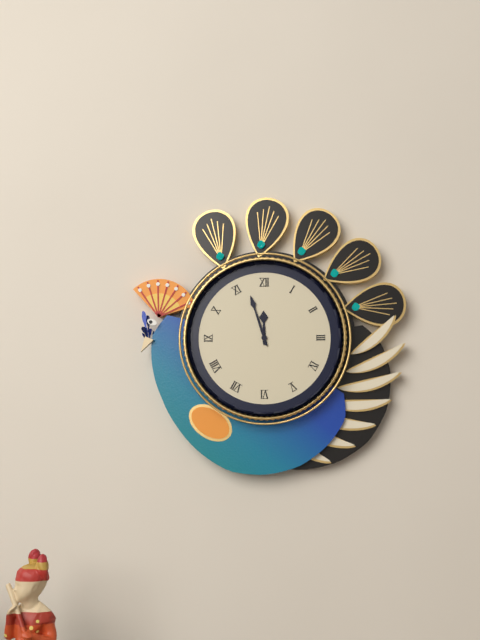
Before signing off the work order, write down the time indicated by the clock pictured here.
11:57
